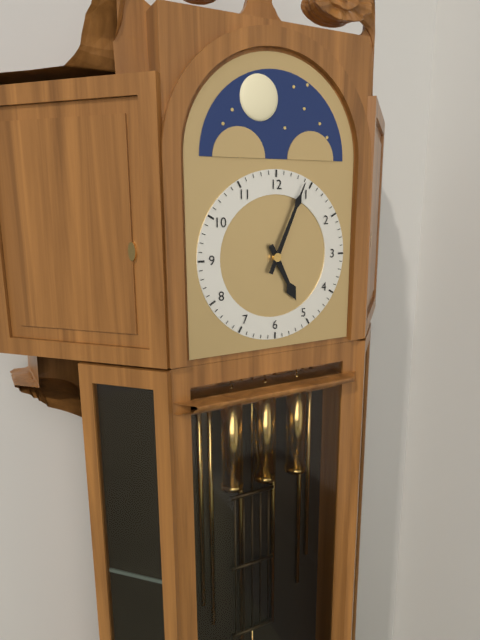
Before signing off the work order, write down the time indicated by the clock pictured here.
5:04
